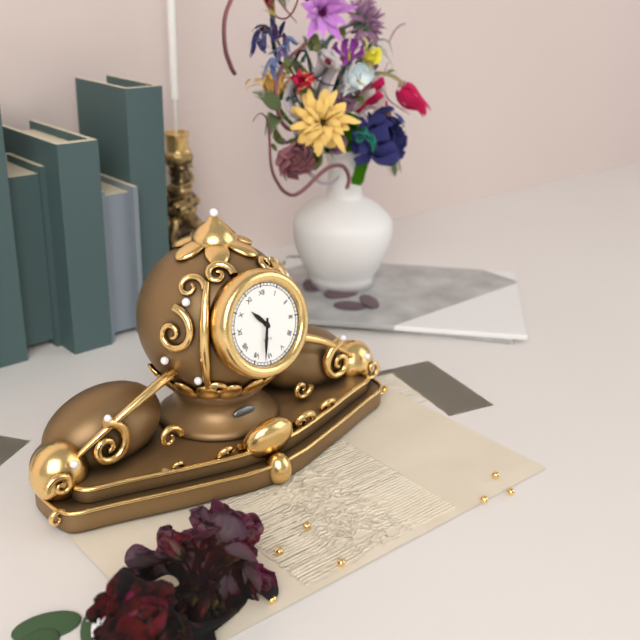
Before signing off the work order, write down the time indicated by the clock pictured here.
10:32
